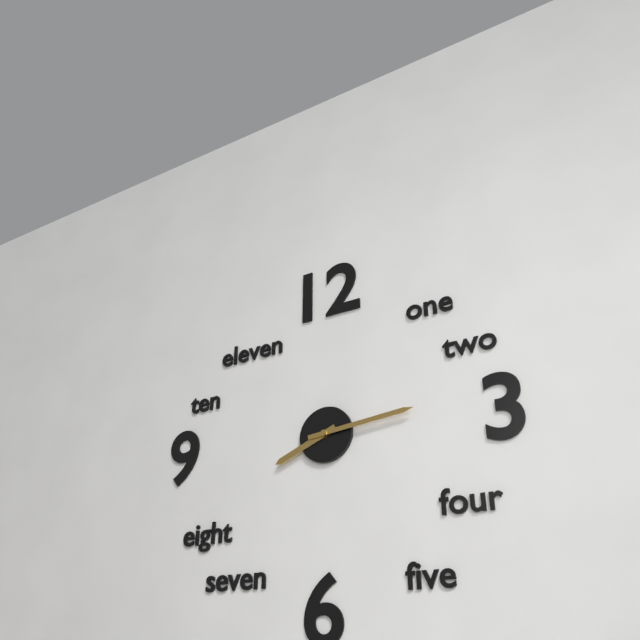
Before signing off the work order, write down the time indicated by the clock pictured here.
8:14
